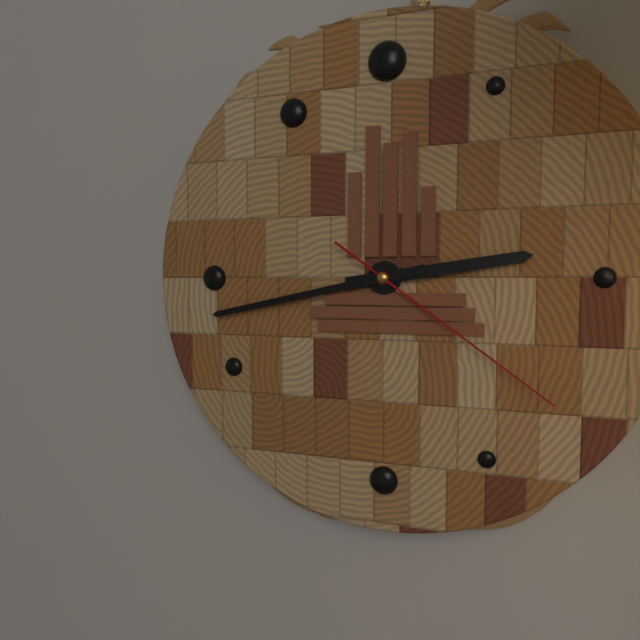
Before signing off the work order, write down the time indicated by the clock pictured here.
2:43:21
